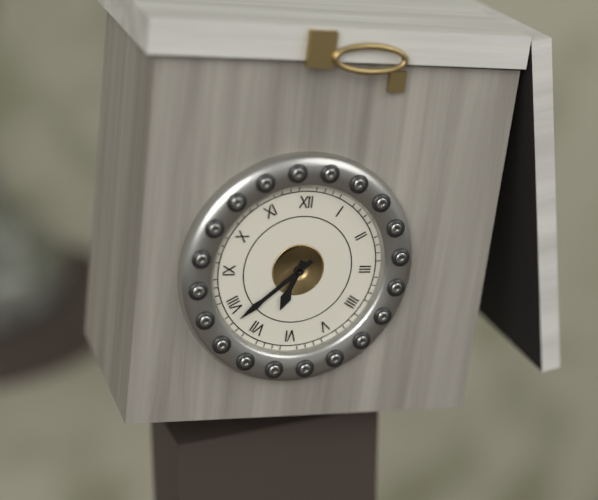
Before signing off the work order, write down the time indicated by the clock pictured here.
6:38
